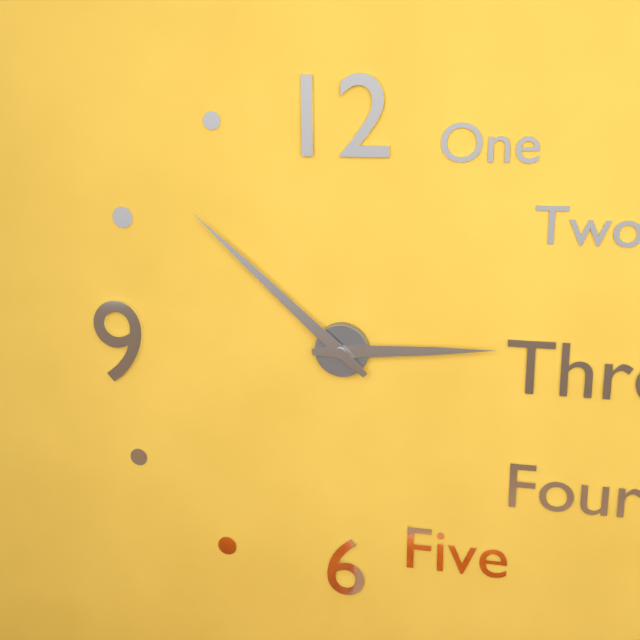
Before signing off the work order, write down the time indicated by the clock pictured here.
2:52
